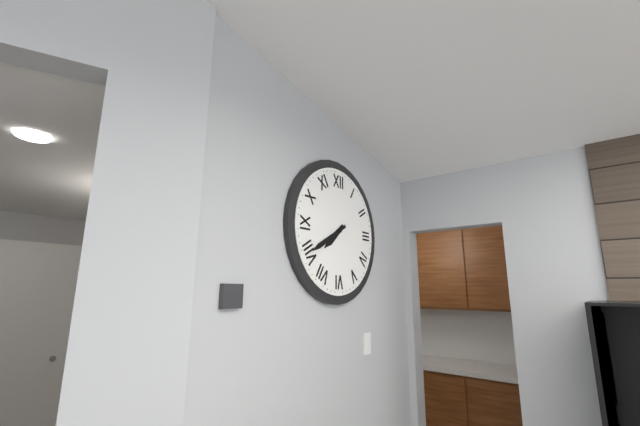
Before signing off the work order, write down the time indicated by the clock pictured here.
7:40
